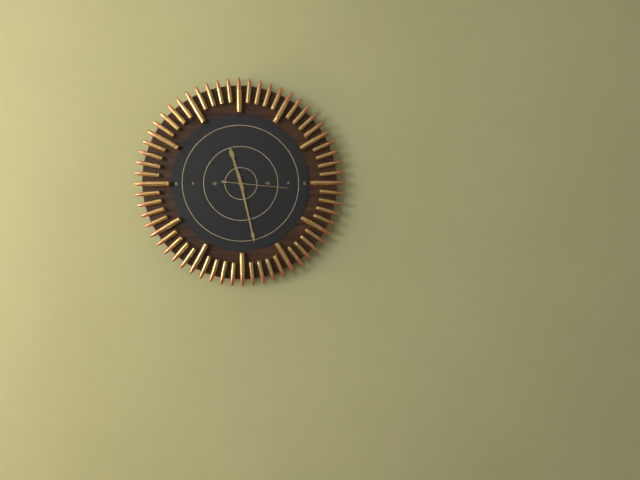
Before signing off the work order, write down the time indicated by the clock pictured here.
11:28:16
